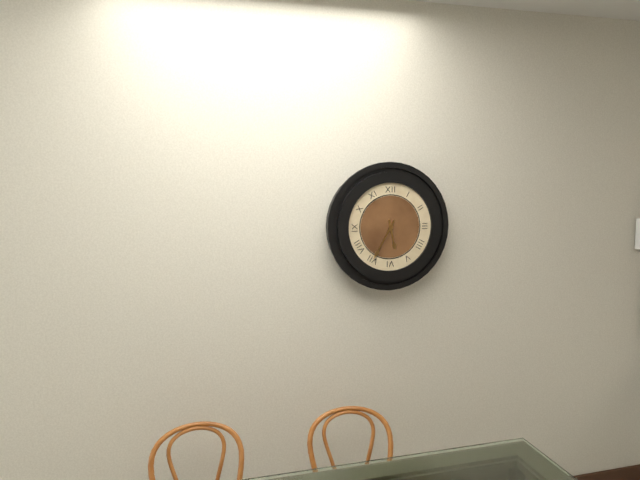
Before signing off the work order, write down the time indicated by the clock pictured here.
5:35
